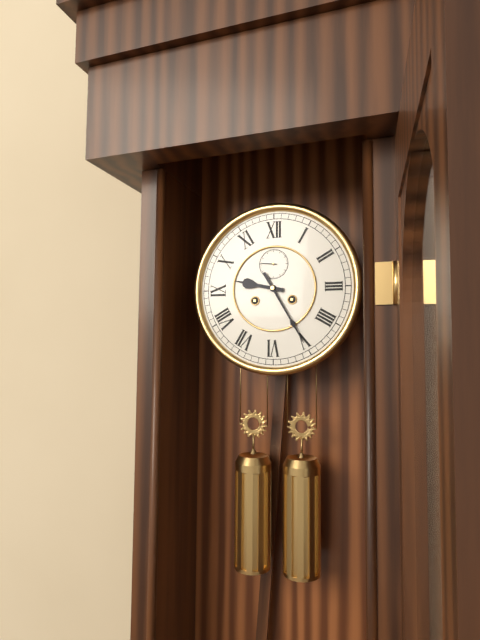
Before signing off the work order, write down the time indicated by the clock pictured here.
9:25
